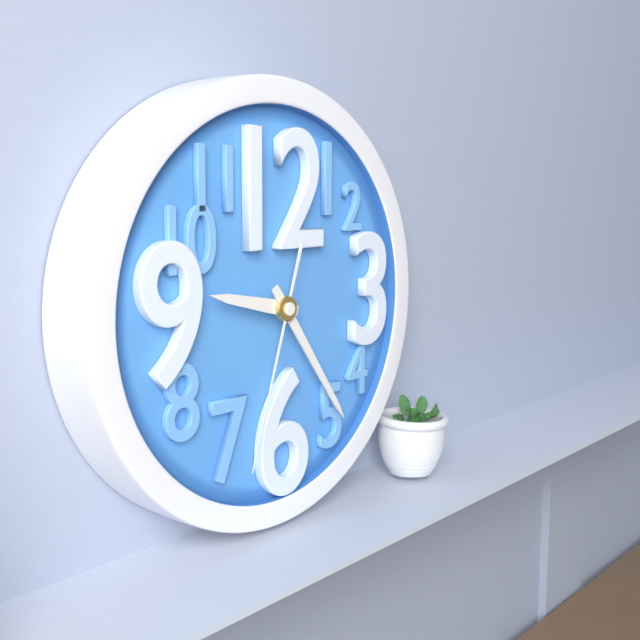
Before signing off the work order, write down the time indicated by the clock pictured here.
9:24:33
